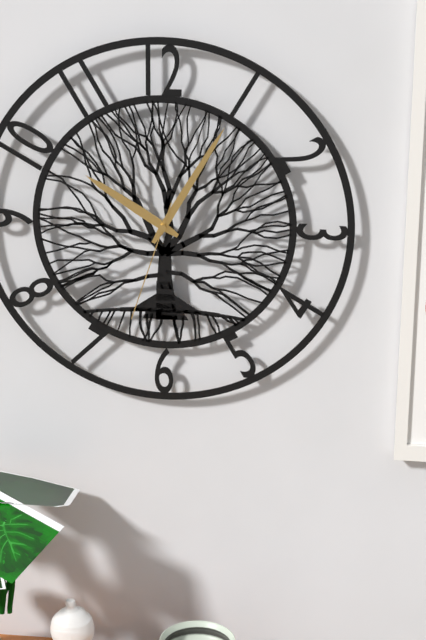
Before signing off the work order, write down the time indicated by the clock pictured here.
10:05:33
